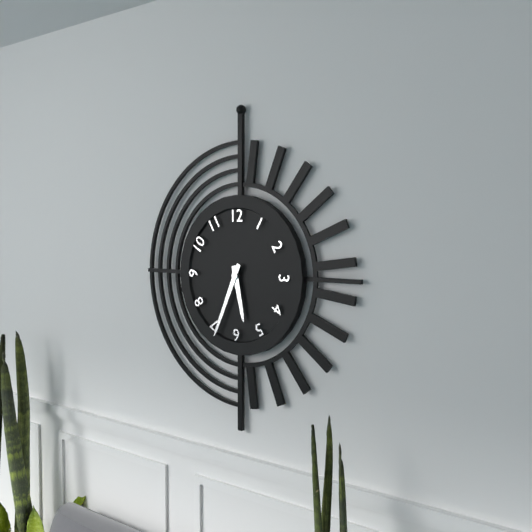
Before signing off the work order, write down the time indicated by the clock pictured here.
5:34
